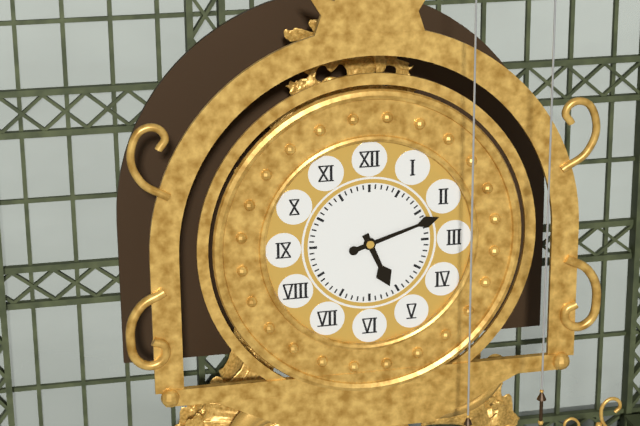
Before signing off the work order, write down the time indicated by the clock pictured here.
5:12
